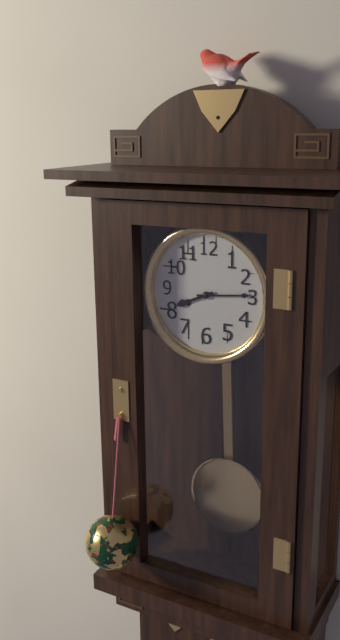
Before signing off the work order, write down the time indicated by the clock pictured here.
8:14
